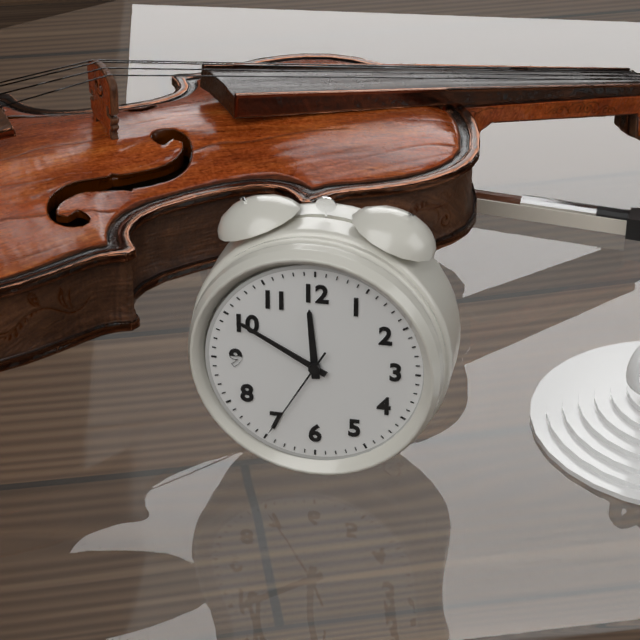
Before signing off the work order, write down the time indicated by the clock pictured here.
11:50:35
